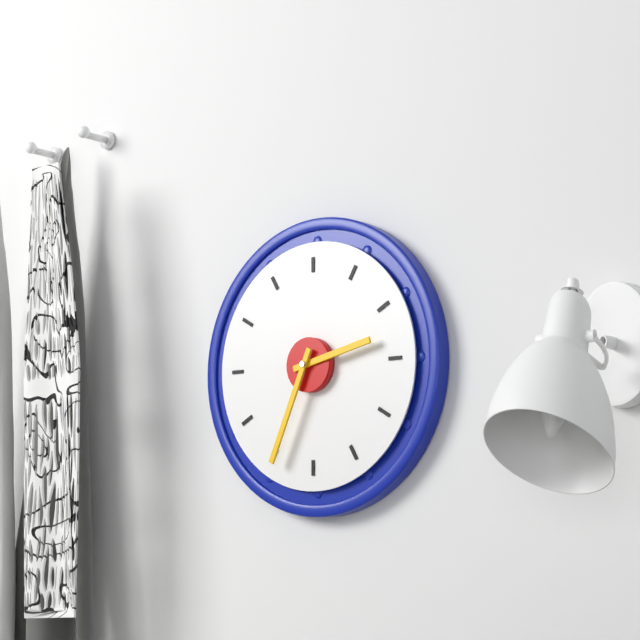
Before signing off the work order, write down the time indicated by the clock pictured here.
2:34
